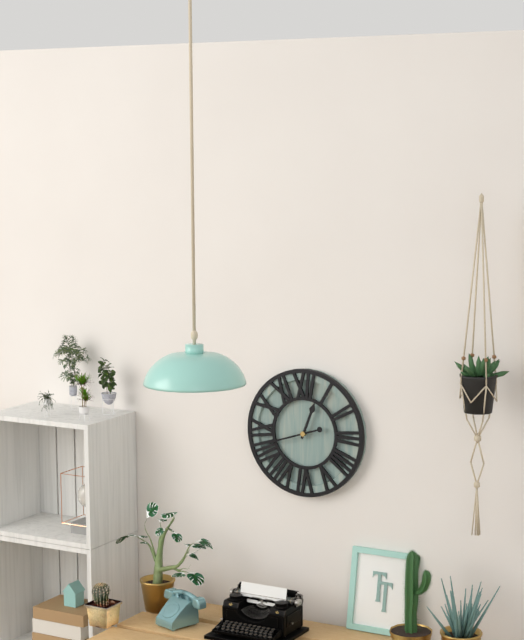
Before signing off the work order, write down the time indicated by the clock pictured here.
12:42
